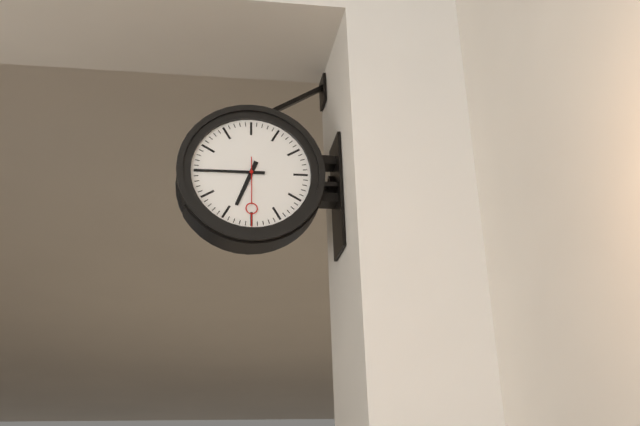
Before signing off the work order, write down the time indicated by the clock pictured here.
6:45:30
